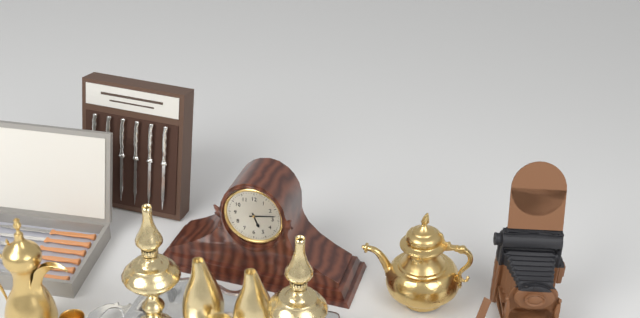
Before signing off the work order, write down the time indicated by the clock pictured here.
5:13
